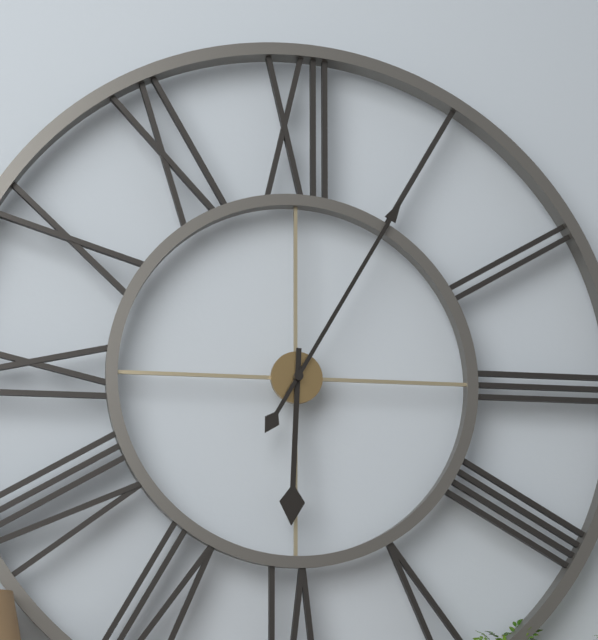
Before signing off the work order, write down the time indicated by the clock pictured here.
6:05
